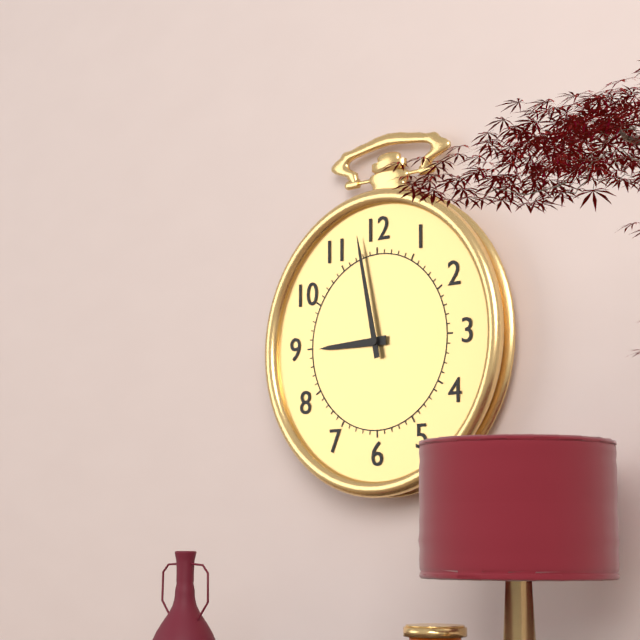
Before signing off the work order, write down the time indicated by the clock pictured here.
8:58
